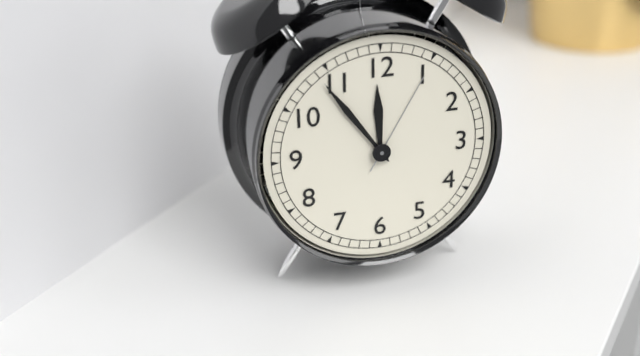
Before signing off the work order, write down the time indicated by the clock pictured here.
11:54:05
